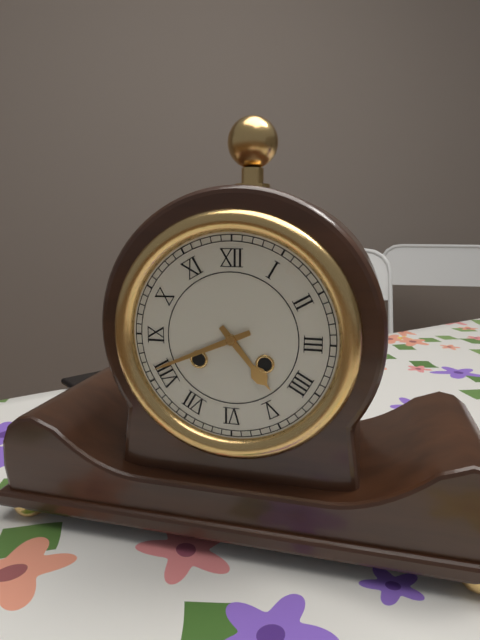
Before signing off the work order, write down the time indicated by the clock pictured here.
4:41
